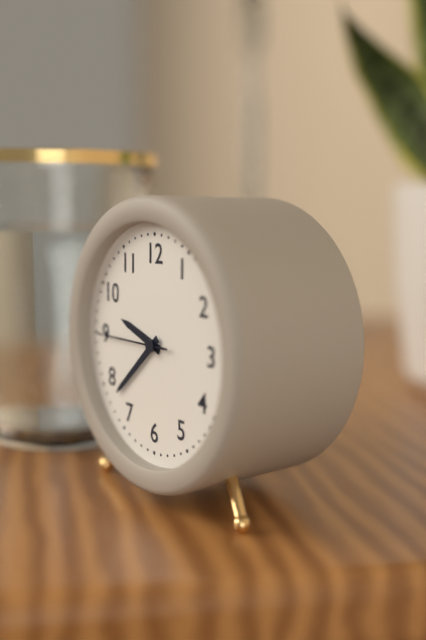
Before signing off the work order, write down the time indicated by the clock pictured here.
9:38:45
